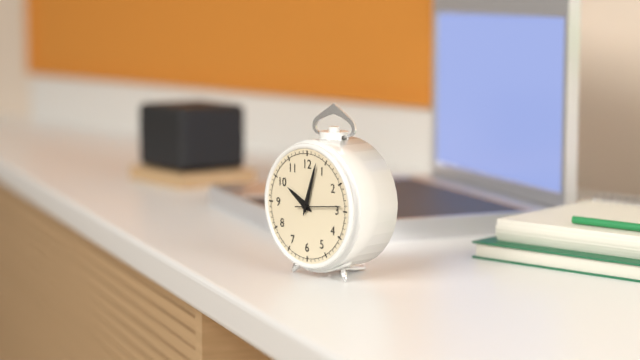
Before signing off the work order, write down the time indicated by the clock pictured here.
10:03
